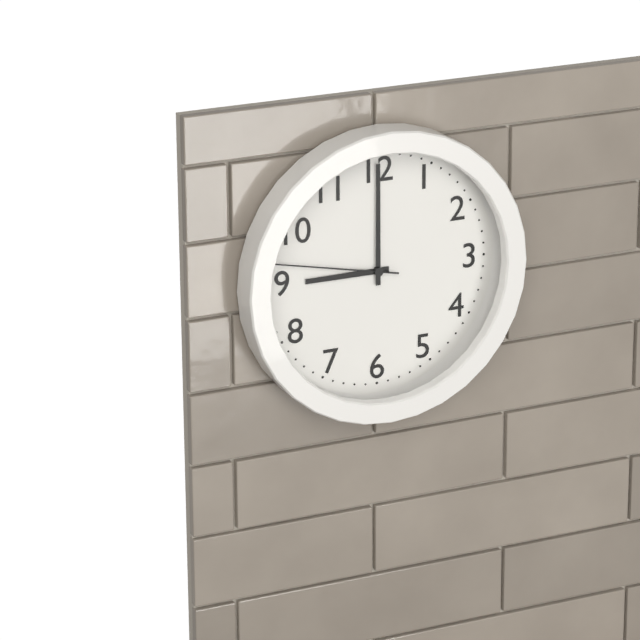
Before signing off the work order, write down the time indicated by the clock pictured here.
9:00:47
